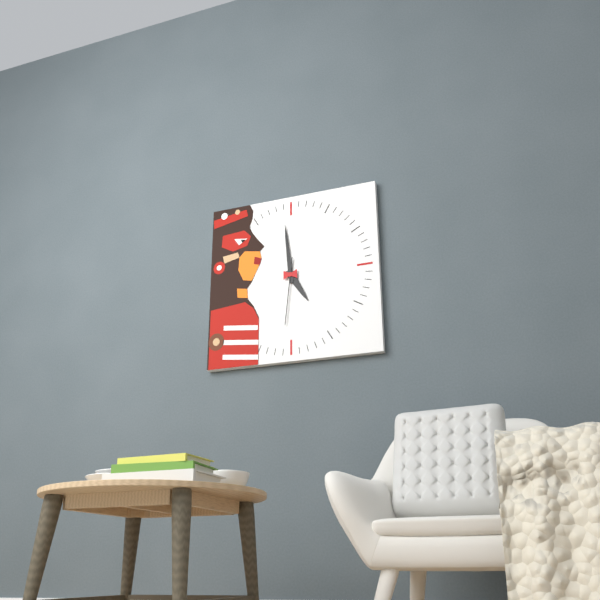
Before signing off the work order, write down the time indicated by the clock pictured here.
4:59:31
